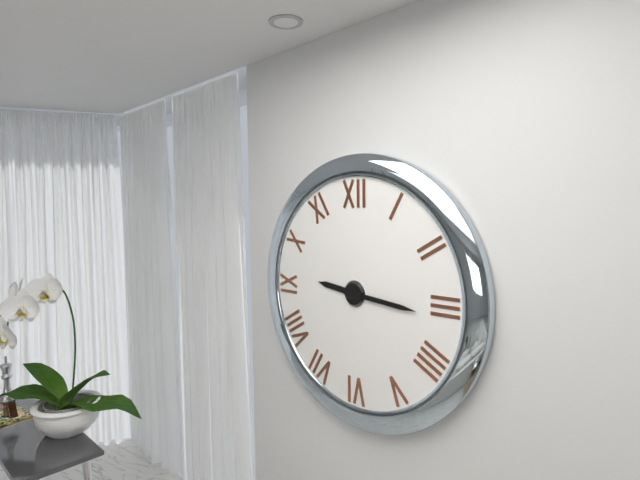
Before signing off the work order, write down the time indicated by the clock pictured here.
9:16
